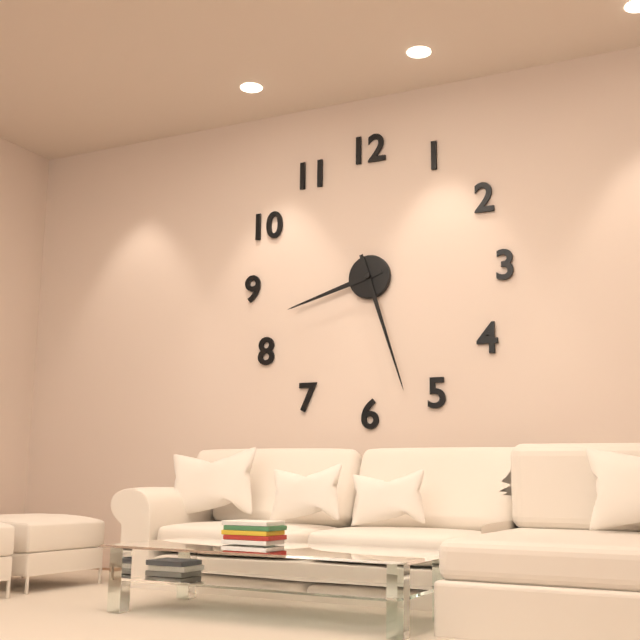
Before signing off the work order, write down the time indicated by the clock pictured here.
8:27
